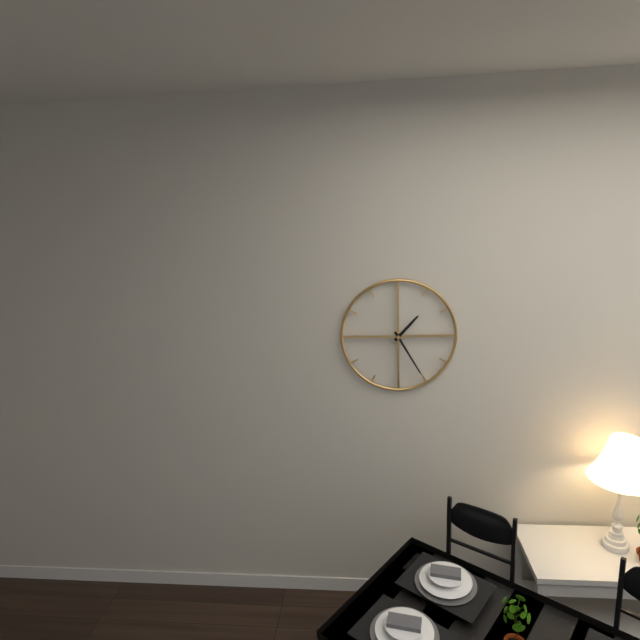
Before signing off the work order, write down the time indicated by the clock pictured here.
1:25
